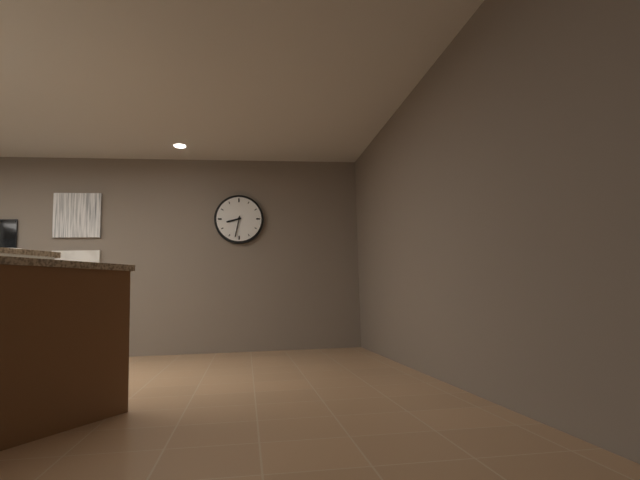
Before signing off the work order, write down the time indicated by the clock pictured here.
8:32
